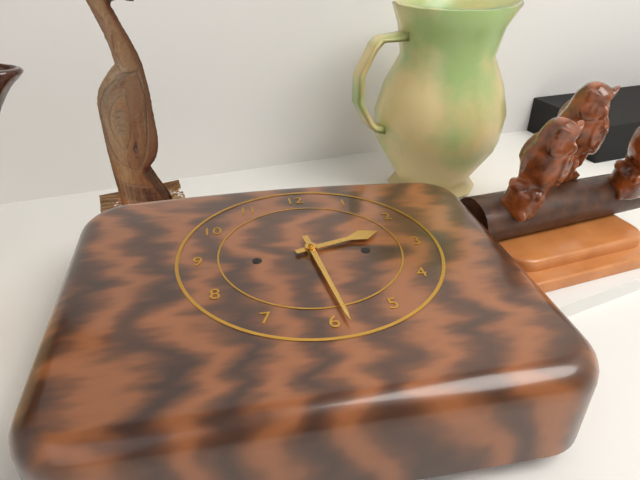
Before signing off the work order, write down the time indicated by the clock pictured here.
2:29
